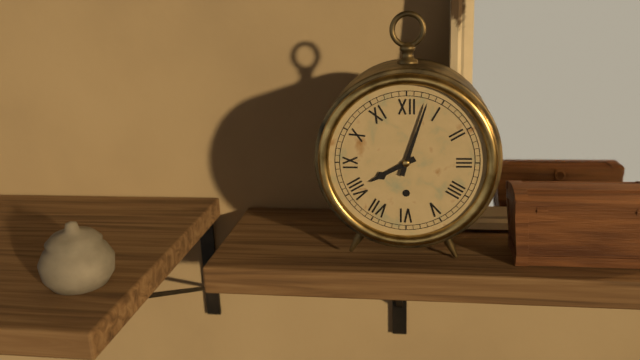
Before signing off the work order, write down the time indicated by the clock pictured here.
8:03
